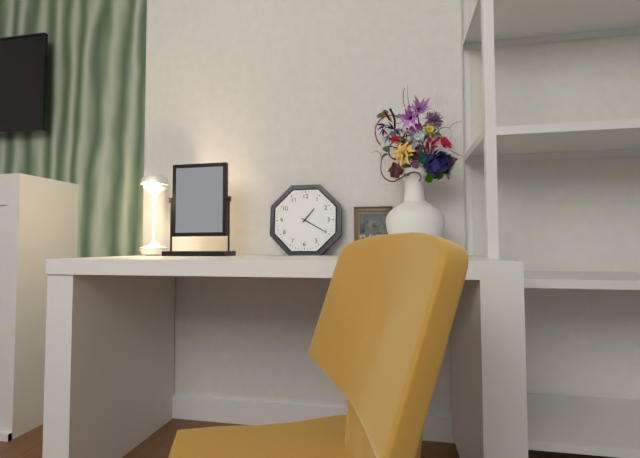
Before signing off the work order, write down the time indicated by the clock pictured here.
1:20
